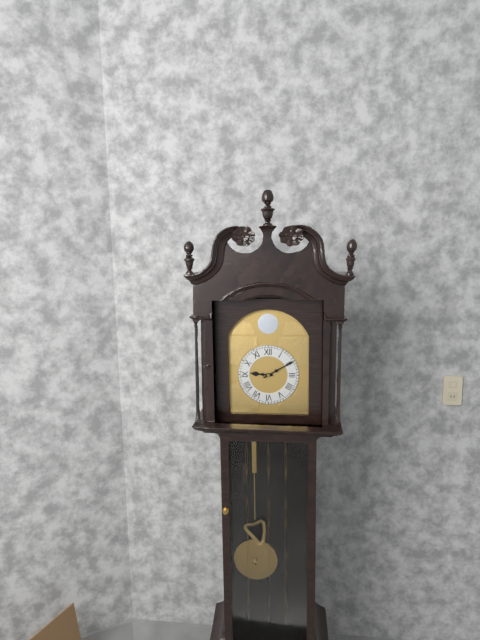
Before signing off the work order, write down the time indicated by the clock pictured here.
9:10
